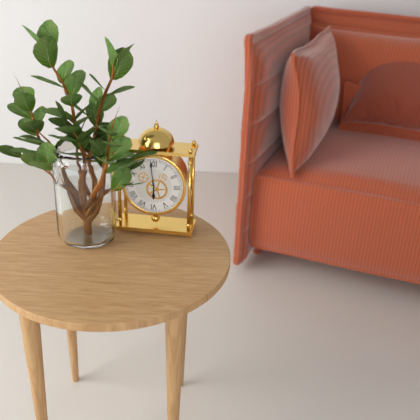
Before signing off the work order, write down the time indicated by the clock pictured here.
5:59
